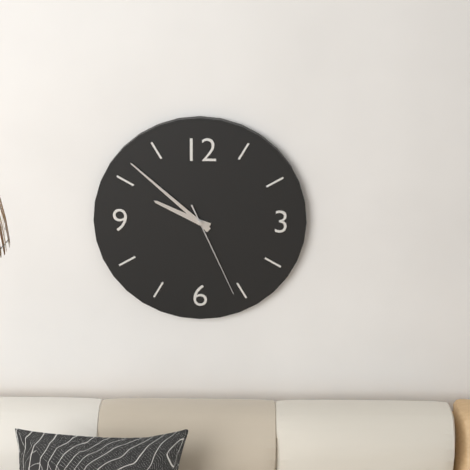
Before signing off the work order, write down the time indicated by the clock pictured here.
9:52:26
